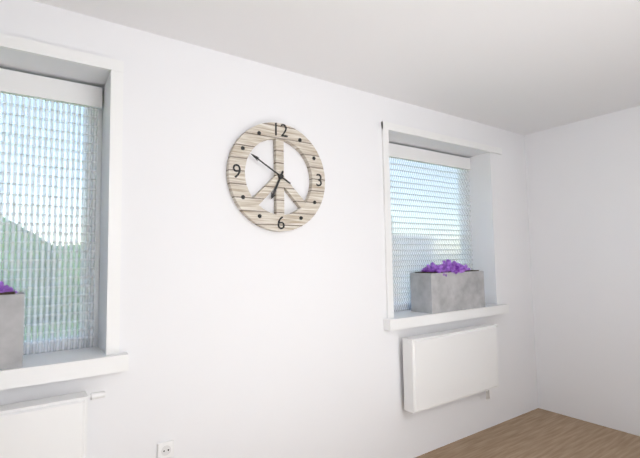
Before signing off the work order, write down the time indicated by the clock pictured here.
6:50
